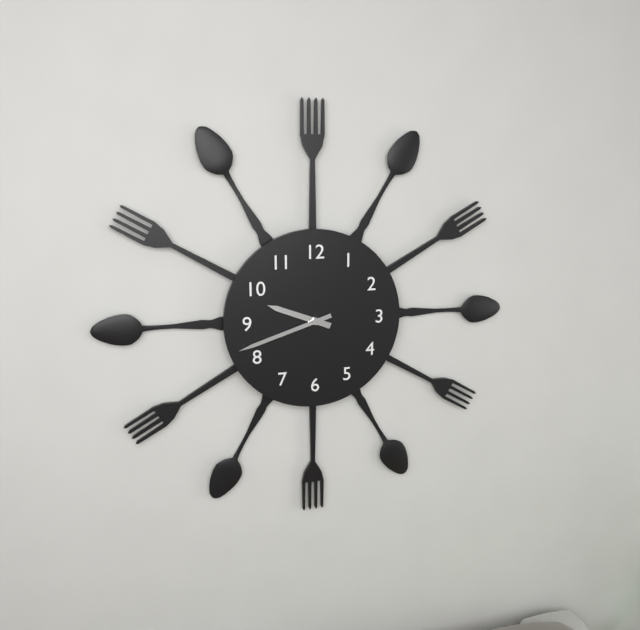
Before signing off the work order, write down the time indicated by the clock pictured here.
9:42
